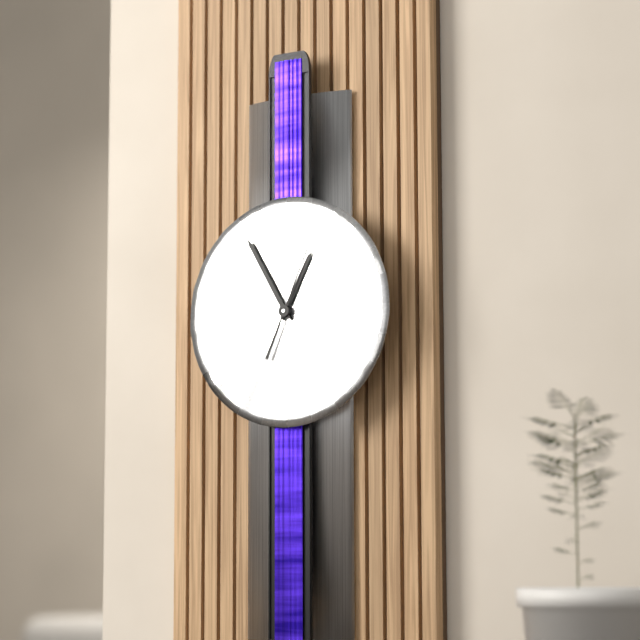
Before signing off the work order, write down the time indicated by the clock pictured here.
12:55:04
